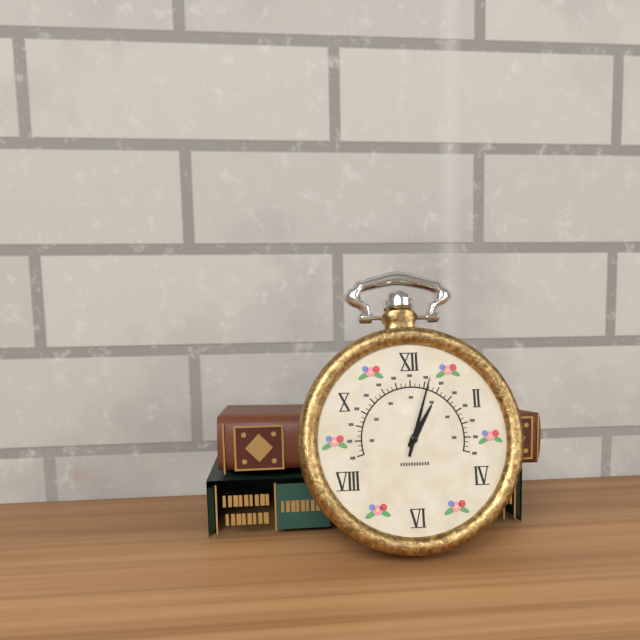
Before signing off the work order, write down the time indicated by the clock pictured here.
1:03
